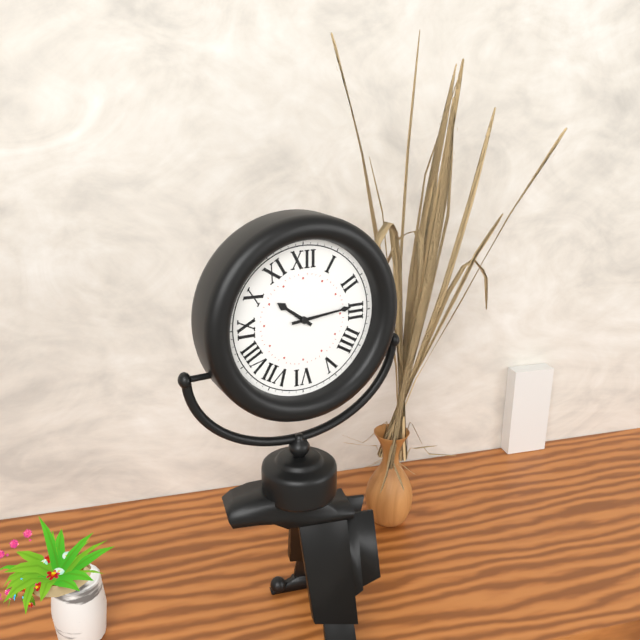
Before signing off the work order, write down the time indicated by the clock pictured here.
10:14
